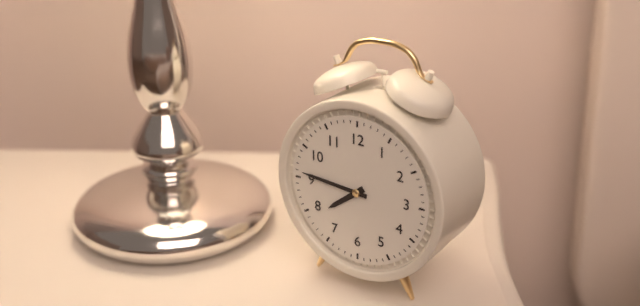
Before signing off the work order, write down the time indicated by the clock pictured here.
7:46
